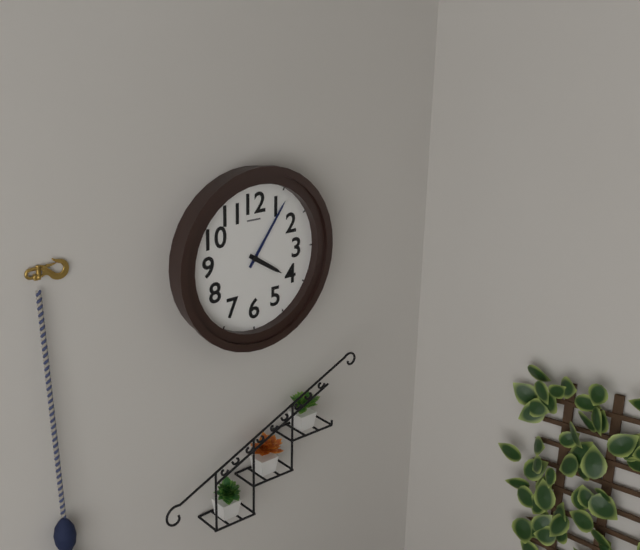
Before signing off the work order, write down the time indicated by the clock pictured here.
4:06
